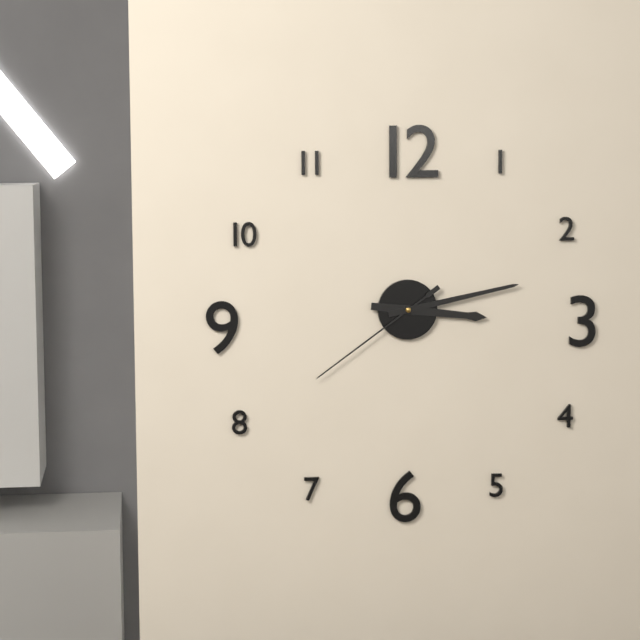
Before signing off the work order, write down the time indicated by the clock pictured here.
3:13:39
